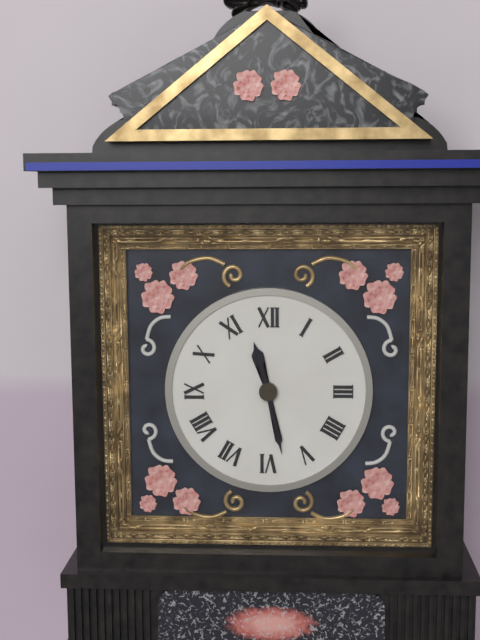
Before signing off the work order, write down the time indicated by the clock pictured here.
11:28
